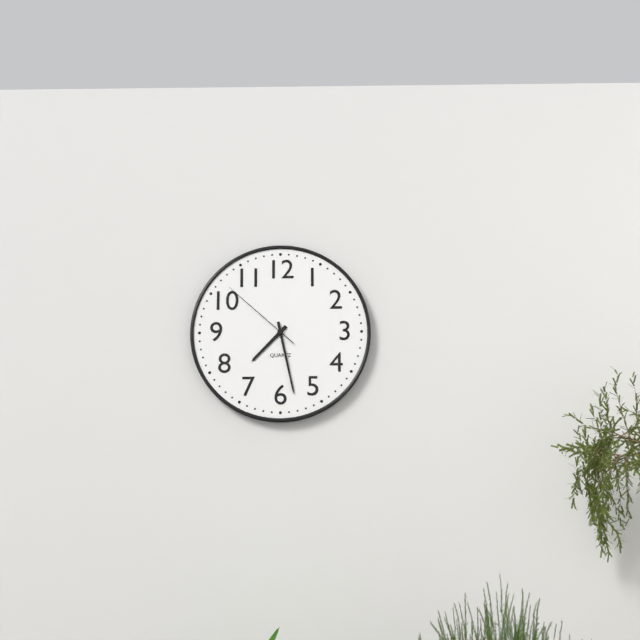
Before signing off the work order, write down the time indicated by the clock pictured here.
7:28:52
